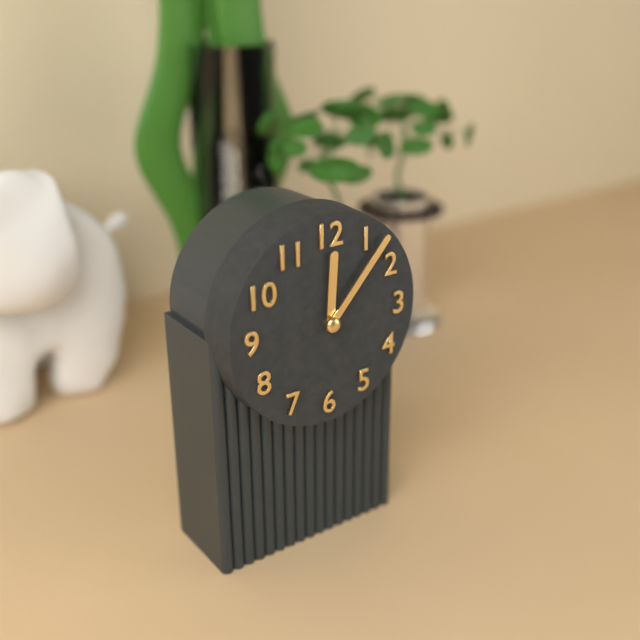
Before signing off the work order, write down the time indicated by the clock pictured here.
12:07
